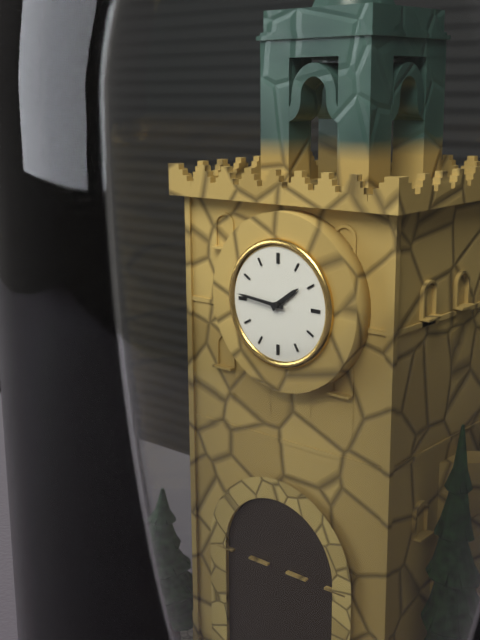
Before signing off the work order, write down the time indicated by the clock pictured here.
1:46
